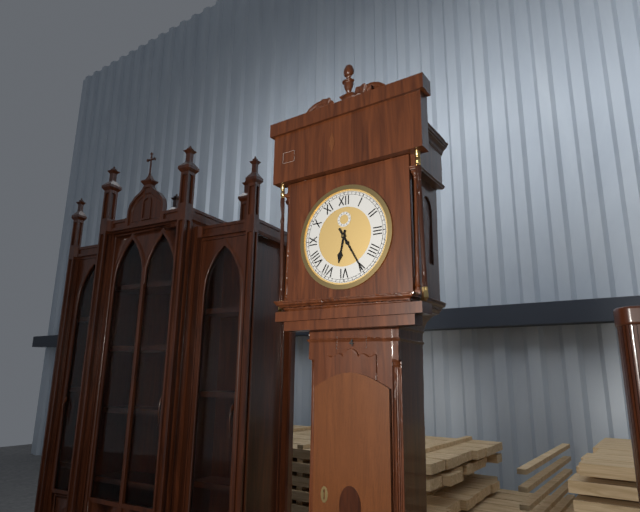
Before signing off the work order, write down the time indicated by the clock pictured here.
6:25
